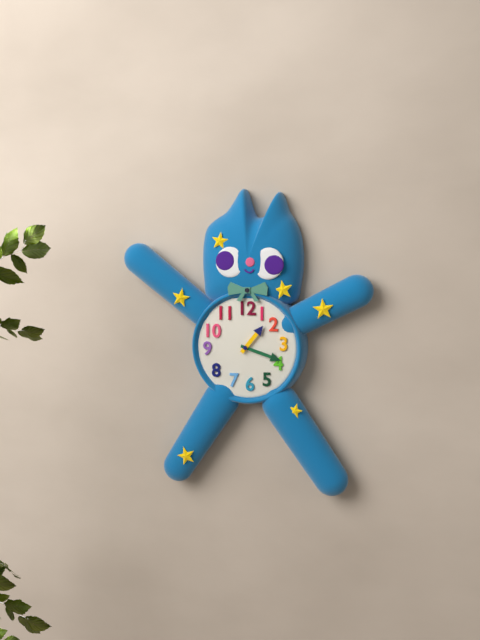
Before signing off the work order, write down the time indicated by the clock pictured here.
1:18
